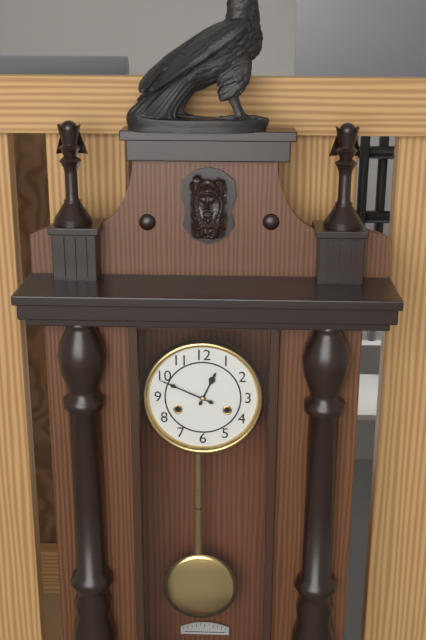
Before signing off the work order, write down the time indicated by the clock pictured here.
12:49
